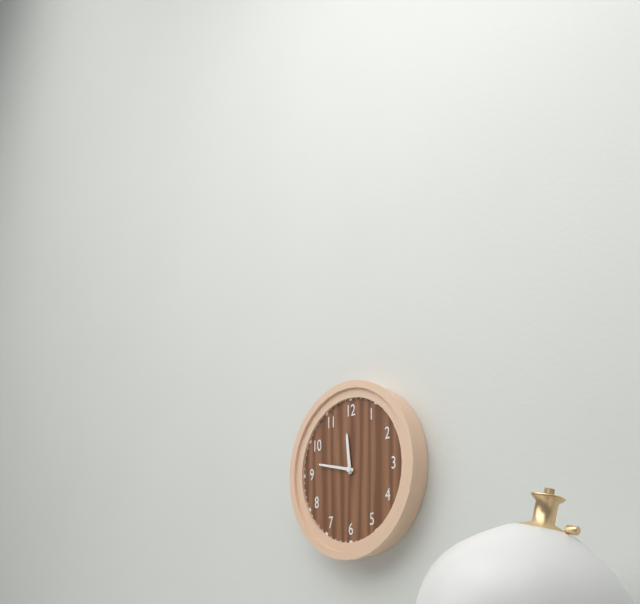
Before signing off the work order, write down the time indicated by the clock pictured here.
11:47
